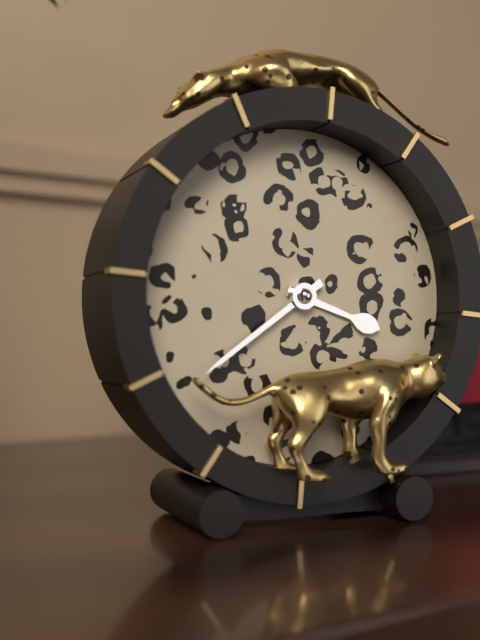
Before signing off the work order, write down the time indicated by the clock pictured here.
3:39
